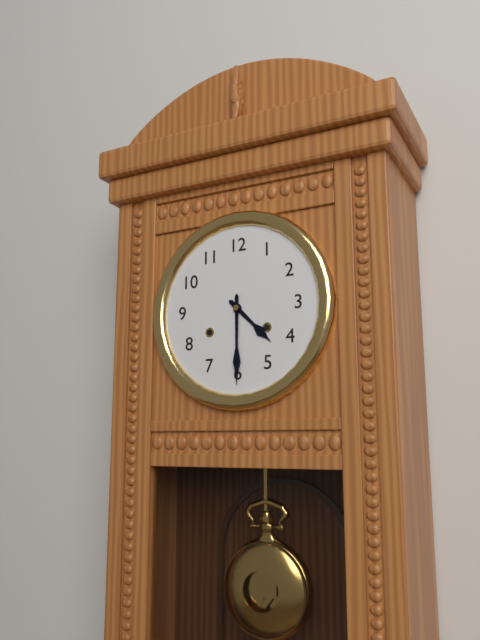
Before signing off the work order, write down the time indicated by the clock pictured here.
4:30
